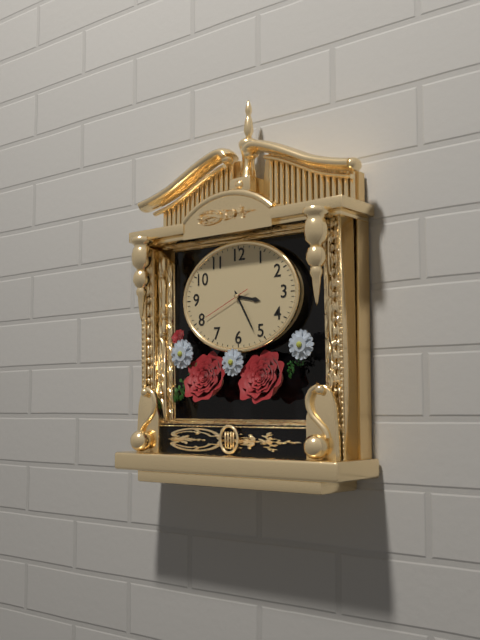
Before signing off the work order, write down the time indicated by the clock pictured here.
3:25
